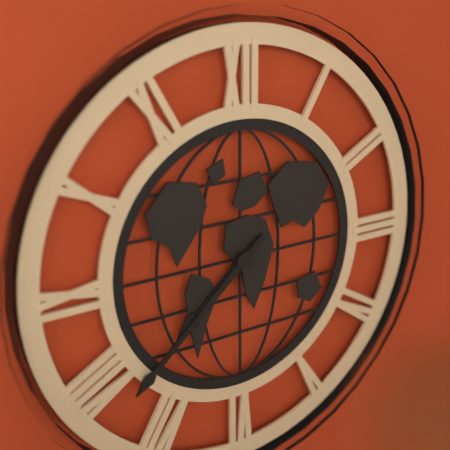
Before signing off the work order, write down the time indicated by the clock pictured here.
7:38
